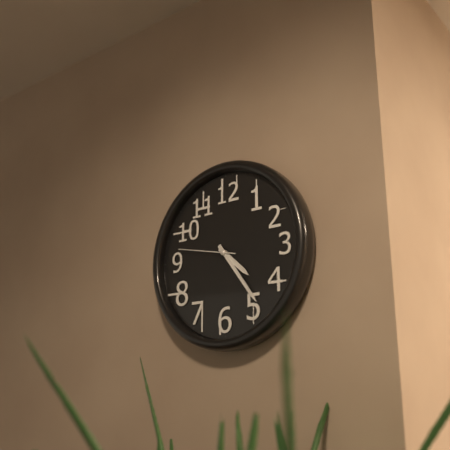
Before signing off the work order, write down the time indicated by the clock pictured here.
4:24:47
